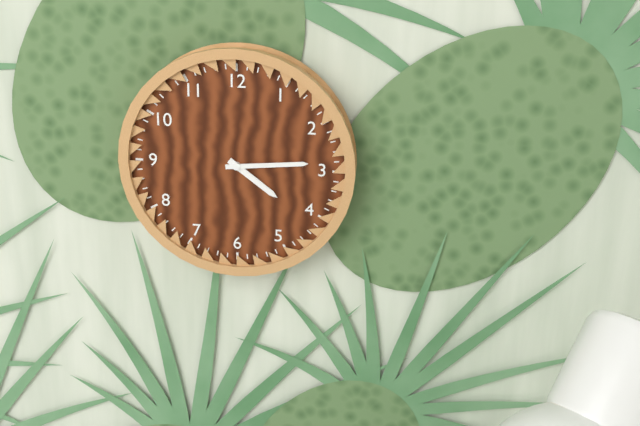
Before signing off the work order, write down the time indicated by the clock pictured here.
4:14
